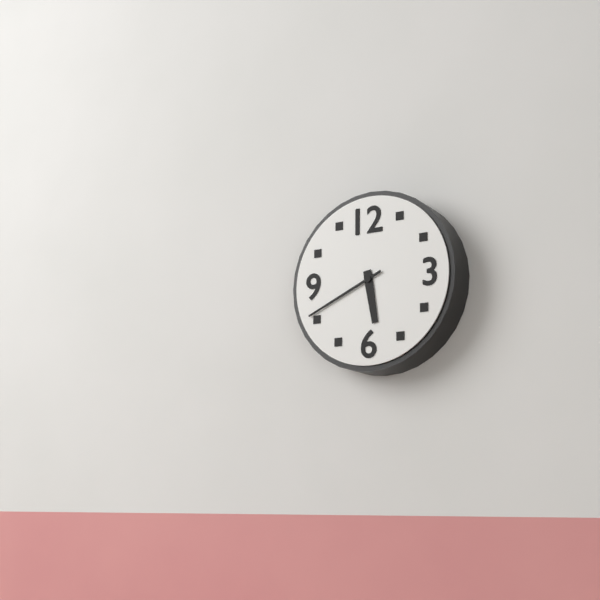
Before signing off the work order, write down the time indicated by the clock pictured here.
5:41
